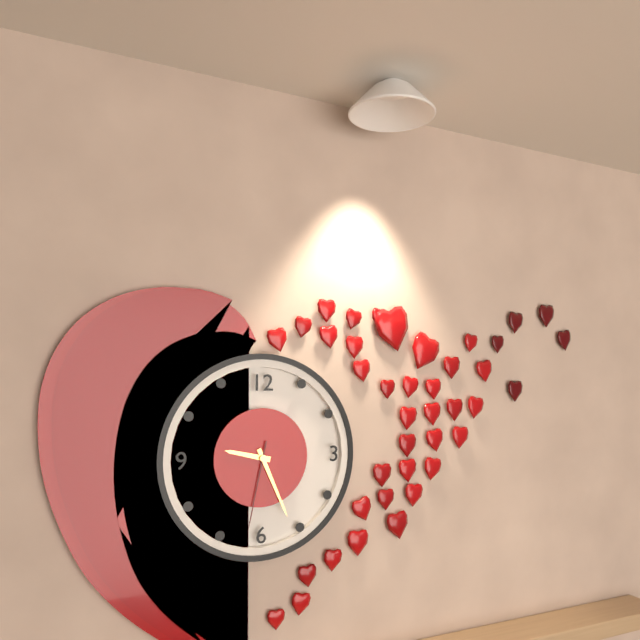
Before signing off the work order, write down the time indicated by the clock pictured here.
9:26:32
